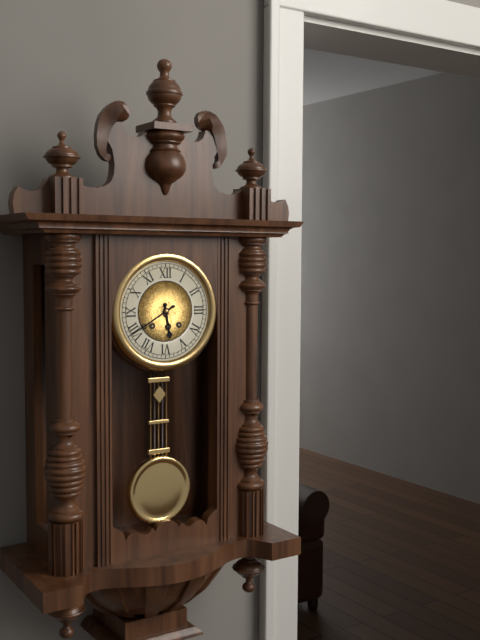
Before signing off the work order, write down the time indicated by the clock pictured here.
5:40
